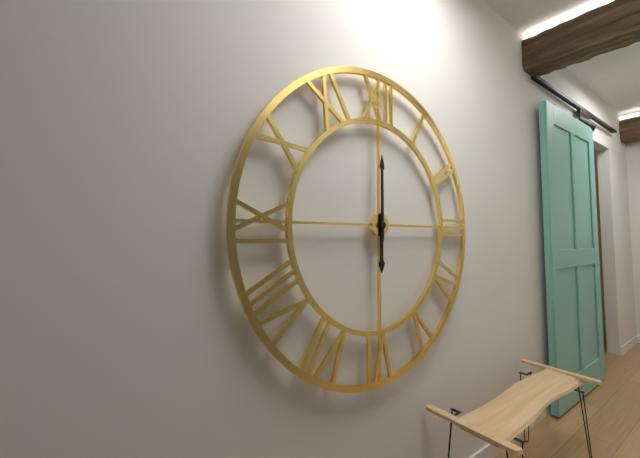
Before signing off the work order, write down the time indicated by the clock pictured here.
6:00
